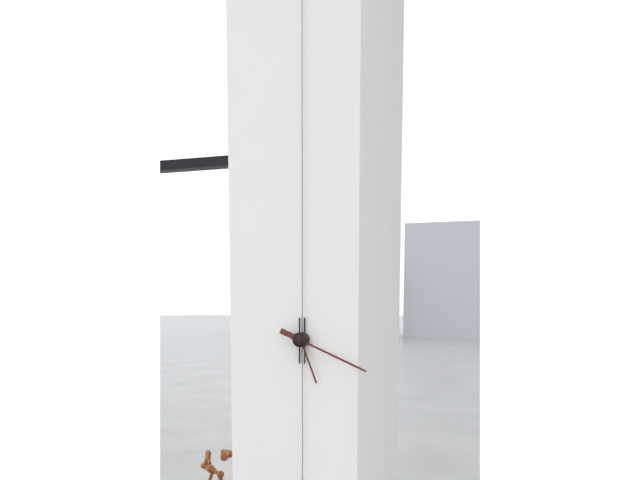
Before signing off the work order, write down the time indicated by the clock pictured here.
5:19
